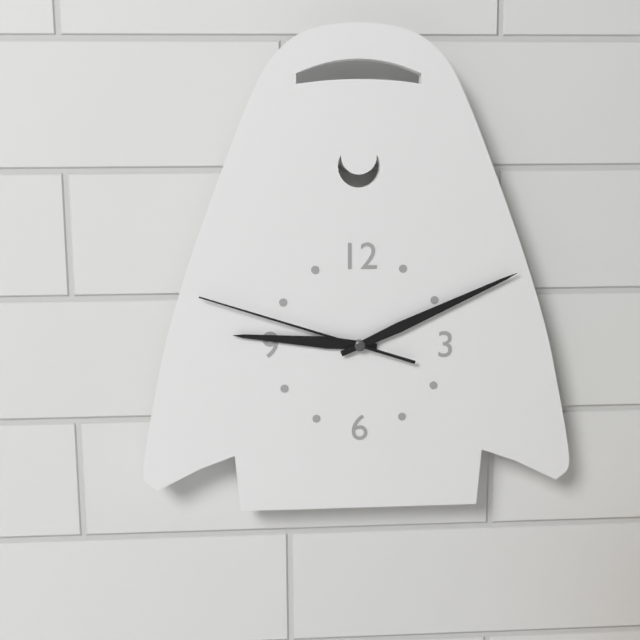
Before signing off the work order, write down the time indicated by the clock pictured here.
9:11:48
